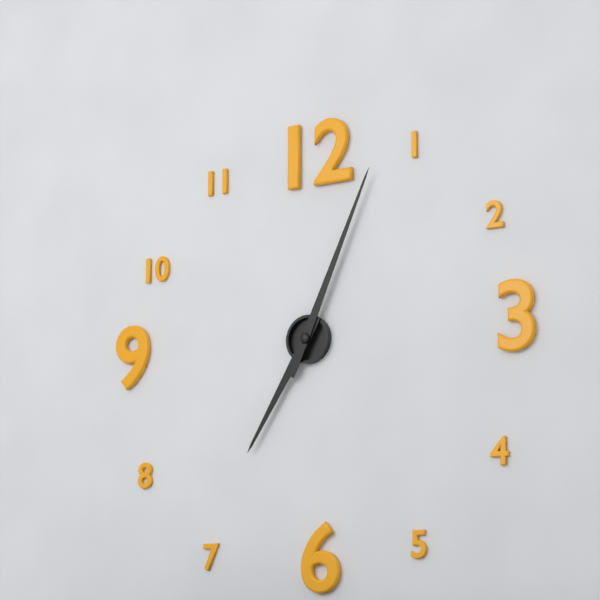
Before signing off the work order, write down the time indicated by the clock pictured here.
7:04
